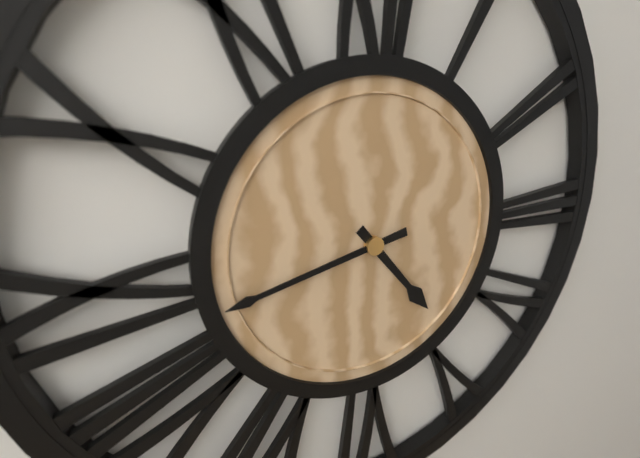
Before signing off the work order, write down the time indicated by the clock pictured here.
4:43
